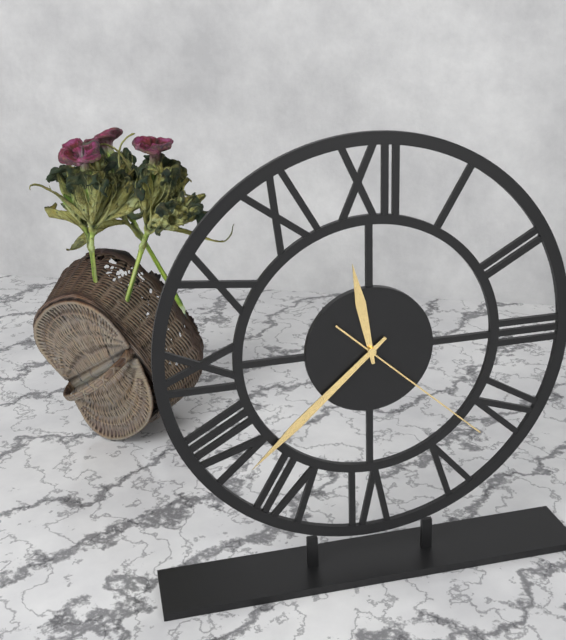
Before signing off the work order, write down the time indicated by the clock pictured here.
11:38:22
